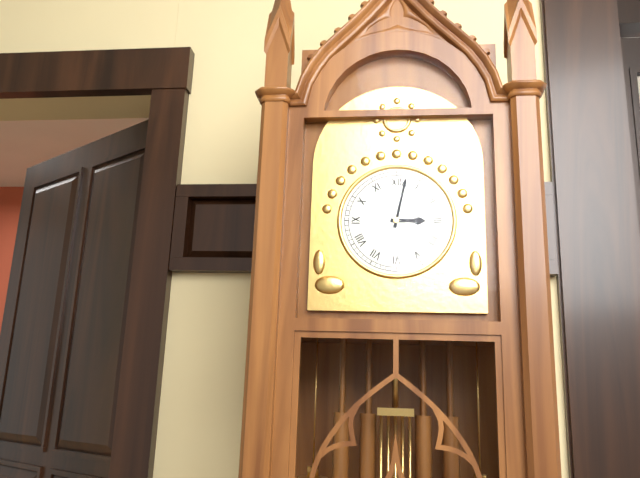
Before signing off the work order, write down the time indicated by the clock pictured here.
3:02
